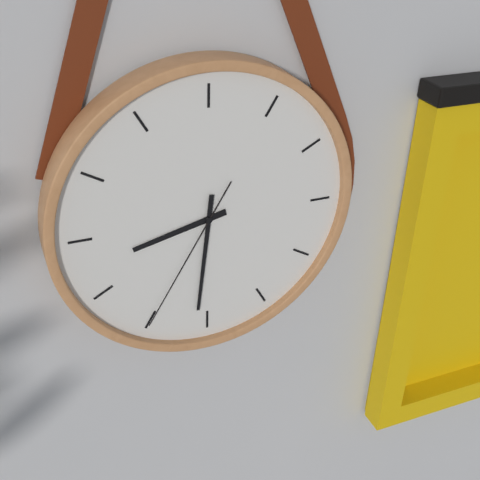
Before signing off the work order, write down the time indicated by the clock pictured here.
8:31:35
